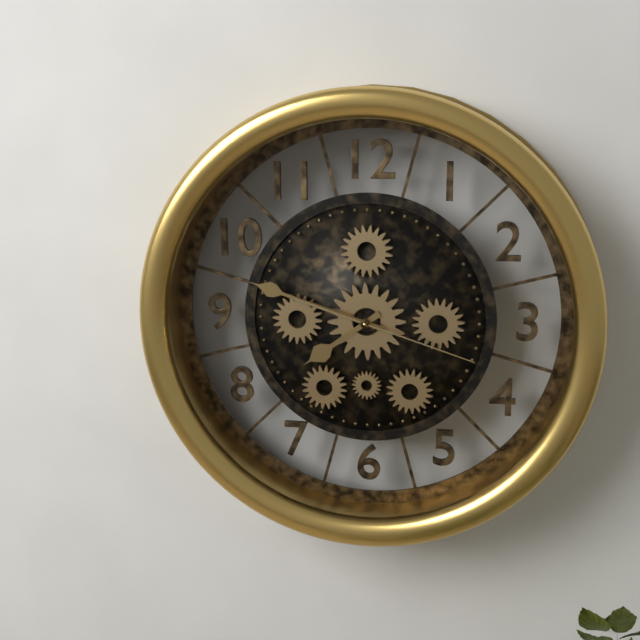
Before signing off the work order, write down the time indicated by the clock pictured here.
7:48:18
